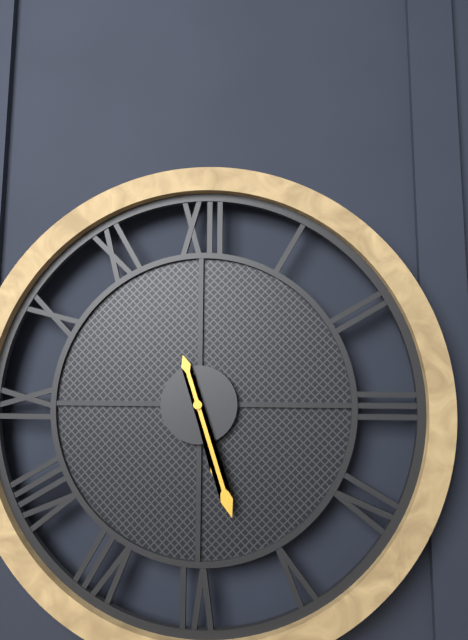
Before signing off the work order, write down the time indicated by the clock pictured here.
5:27
